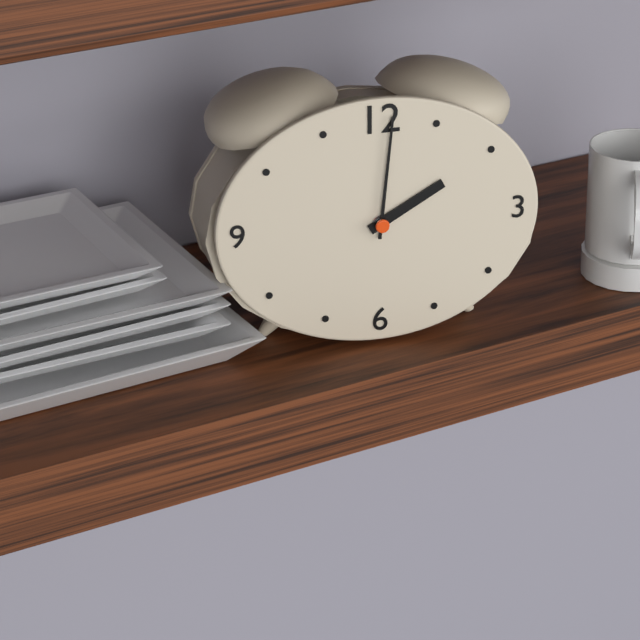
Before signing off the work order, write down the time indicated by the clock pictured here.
2:01
